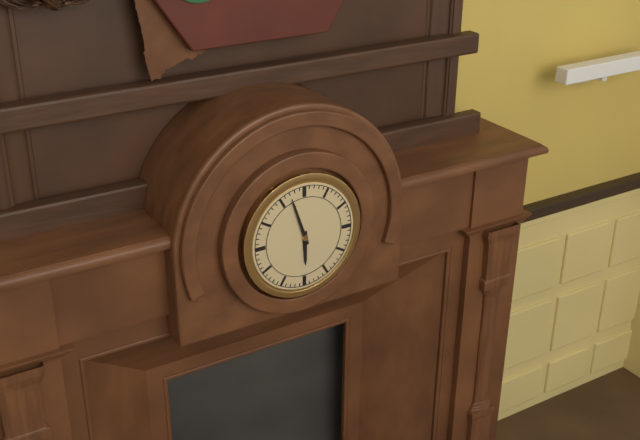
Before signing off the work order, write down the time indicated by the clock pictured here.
5:57
